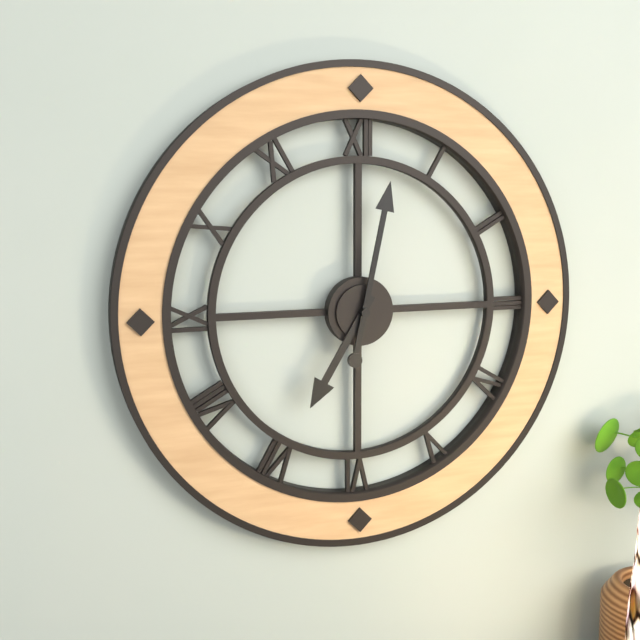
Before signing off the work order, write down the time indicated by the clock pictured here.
7:02
